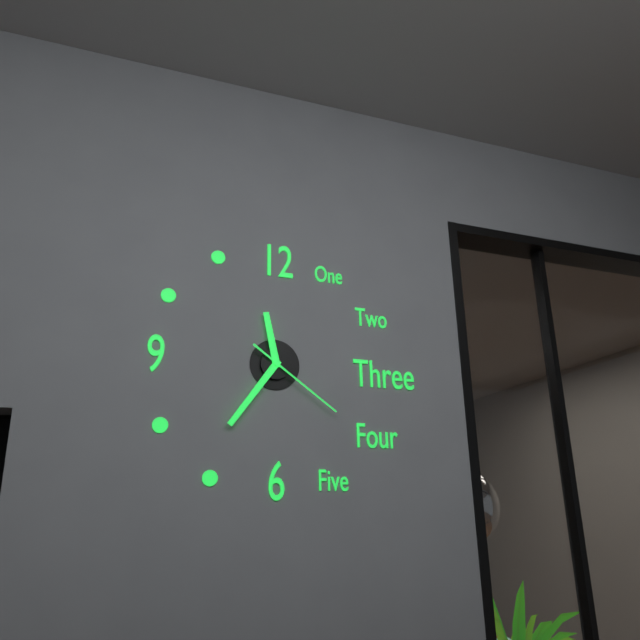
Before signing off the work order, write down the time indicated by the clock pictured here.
11:36:21
